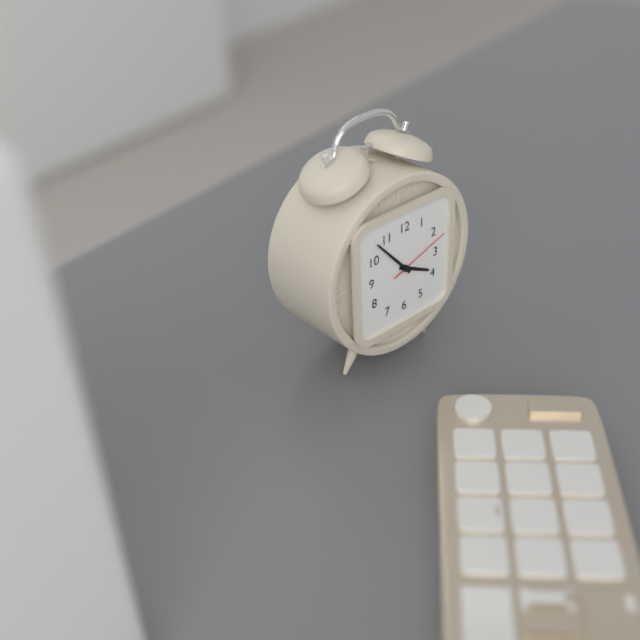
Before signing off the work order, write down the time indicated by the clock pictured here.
3:53:12
